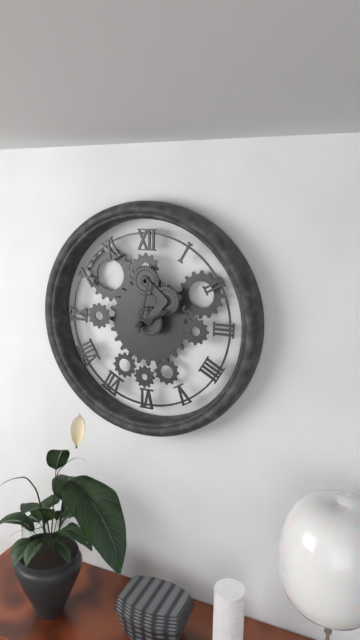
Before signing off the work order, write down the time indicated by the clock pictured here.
2:02
